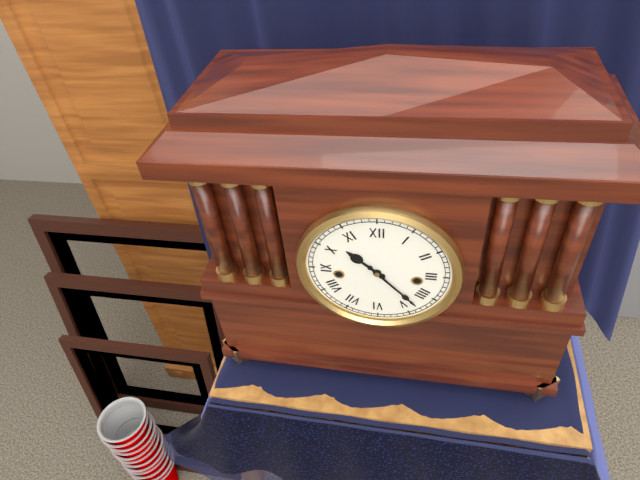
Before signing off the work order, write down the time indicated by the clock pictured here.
10:23
